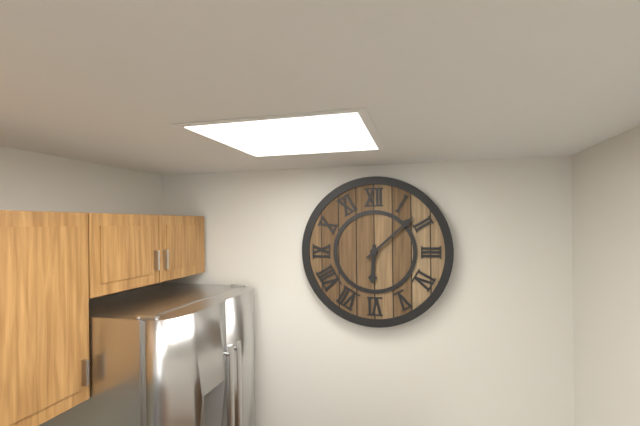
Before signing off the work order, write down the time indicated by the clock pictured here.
6:08
